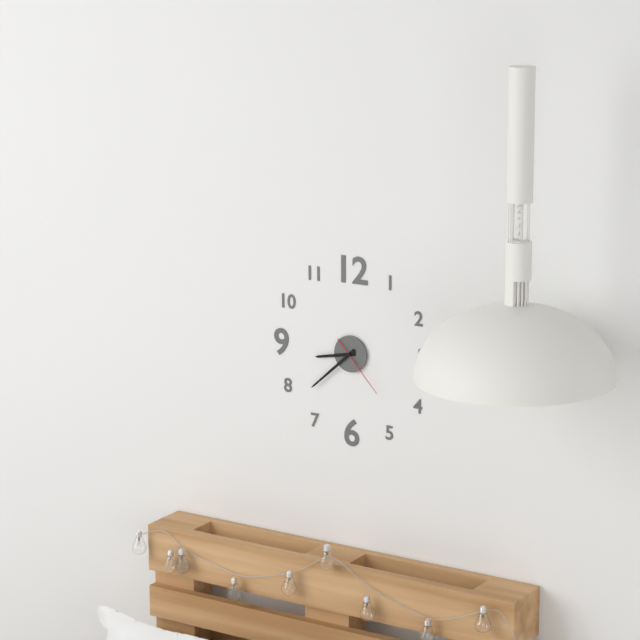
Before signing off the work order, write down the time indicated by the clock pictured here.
8:38:23
